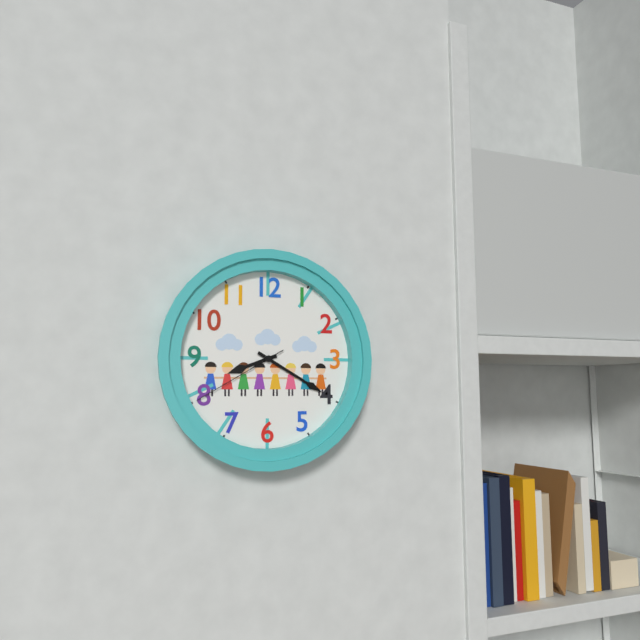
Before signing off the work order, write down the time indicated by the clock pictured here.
8:20:40
